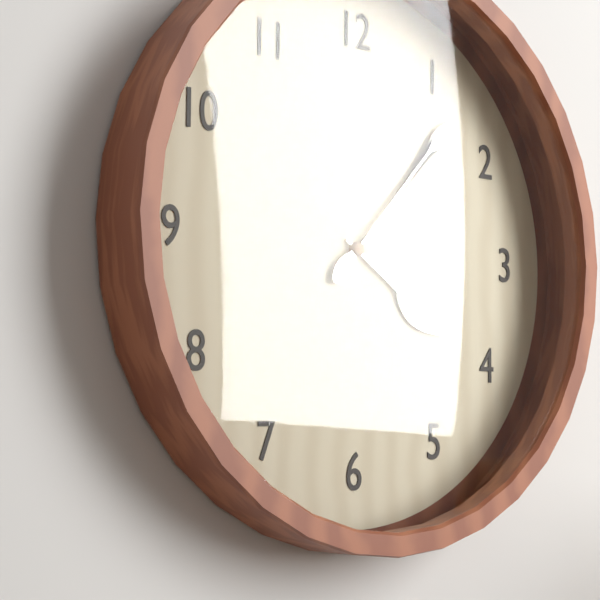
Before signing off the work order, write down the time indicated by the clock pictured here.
4:07
